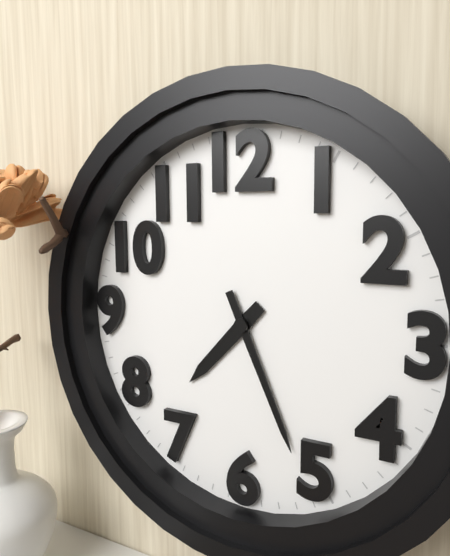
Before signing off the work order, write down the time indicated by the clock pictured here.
7:26
